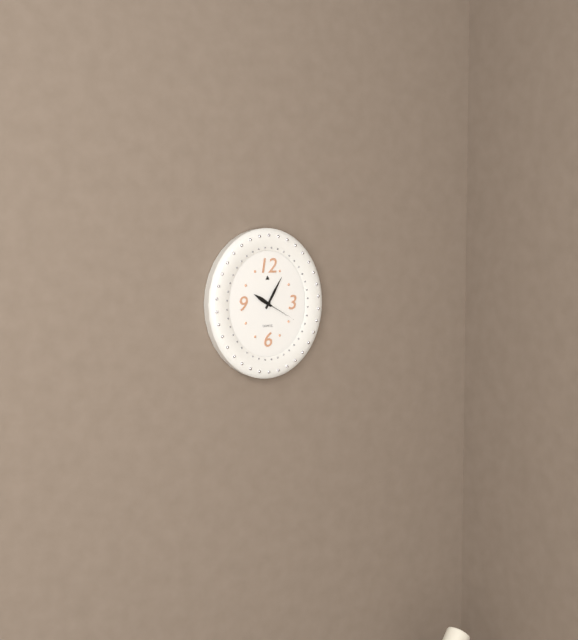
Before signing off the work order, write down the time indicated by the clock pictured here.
10:05
